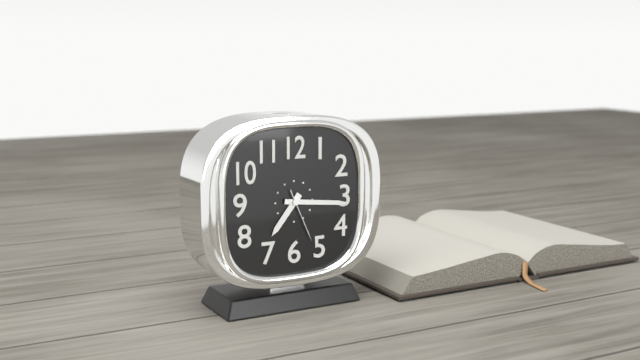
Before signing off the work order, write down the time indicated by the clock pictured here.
7:16:26
